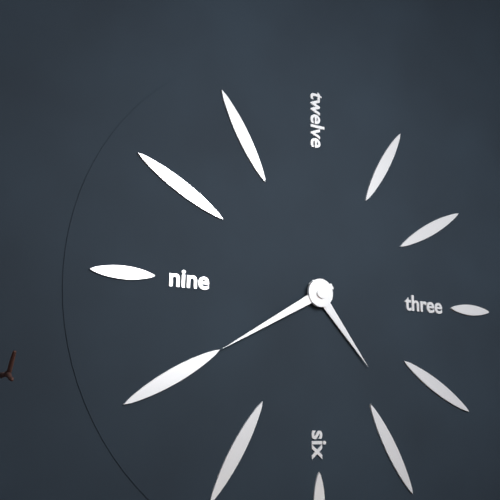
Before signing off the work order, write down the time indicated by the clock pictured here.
4:40
